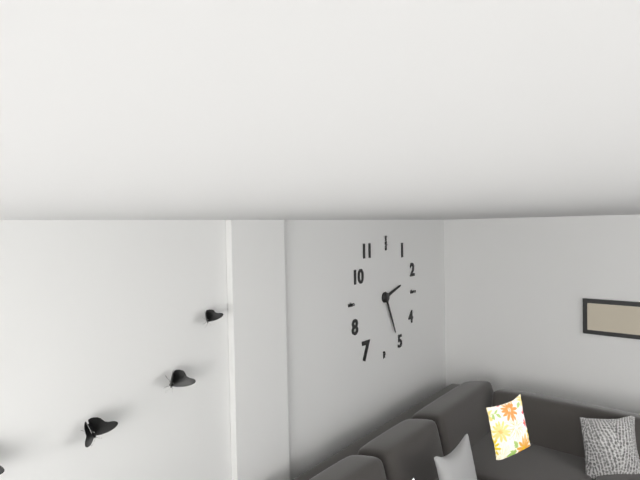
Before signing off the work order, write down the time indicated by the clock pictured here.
2:26
